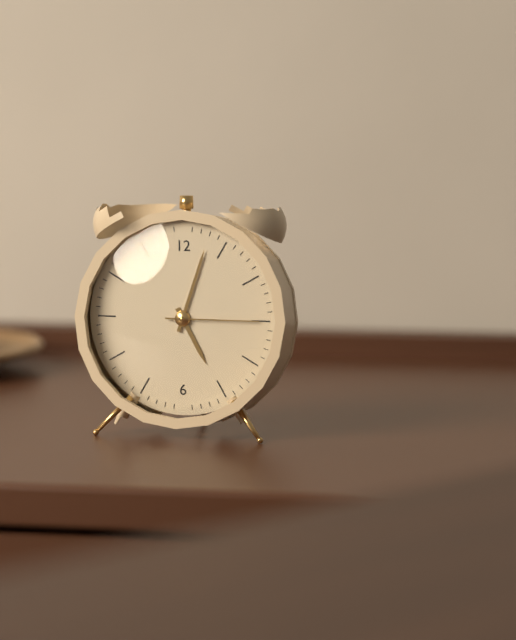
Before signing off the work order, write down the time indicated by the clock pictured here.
5:03:15
